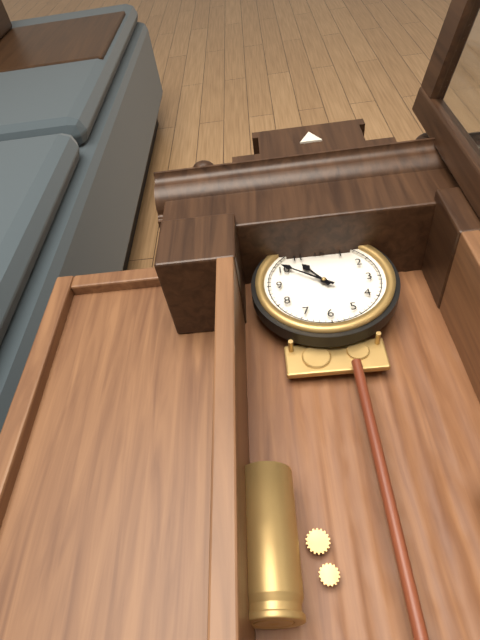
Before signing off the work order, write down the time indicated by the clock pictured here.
10:51
